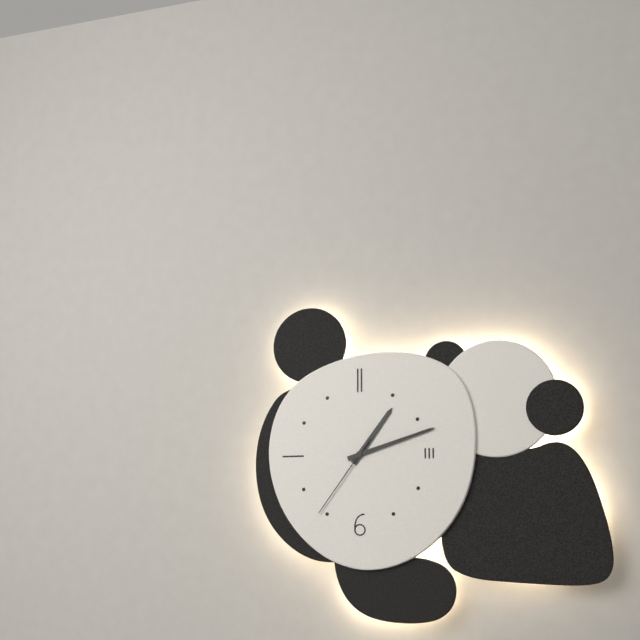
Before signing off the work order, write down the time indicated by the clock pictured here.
1:12:36
